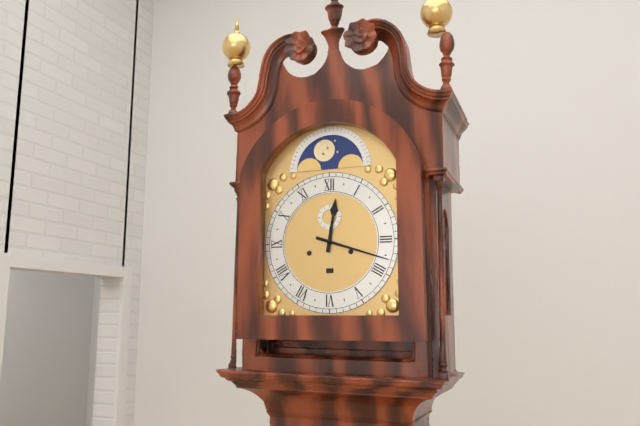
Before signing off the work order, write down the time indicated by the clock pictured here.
12:18
